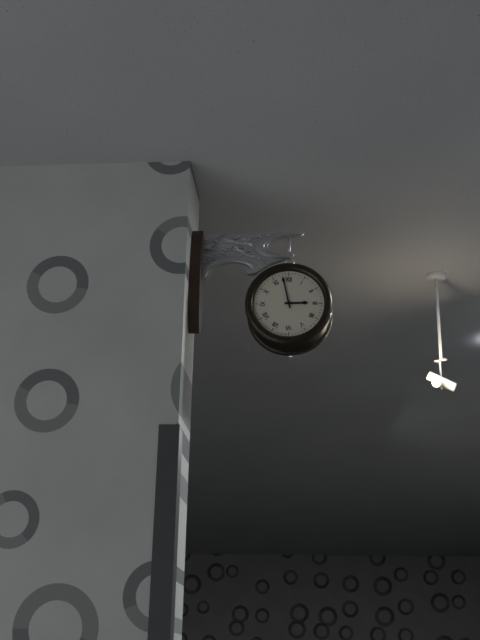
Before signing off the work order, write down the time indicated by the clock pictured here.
2:58
